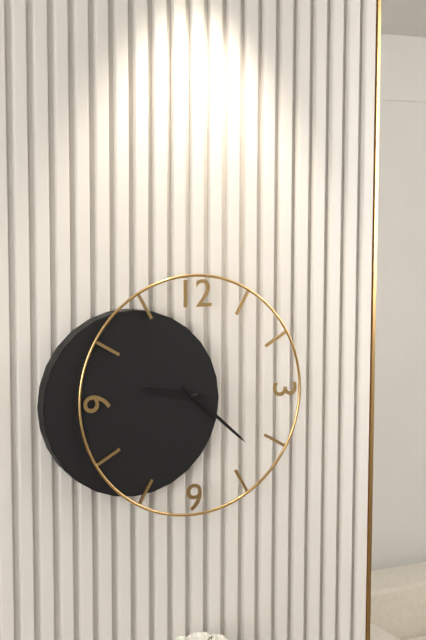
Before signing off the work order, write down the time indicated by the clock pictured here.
9:22
